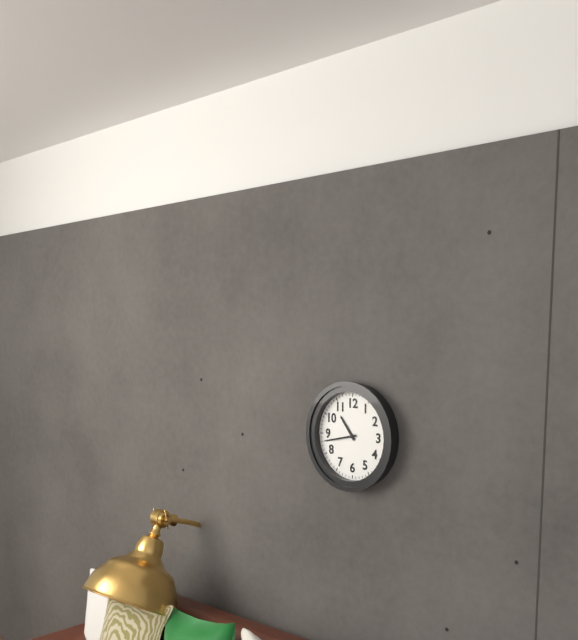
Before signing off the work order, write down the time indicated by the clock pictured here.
10:43
